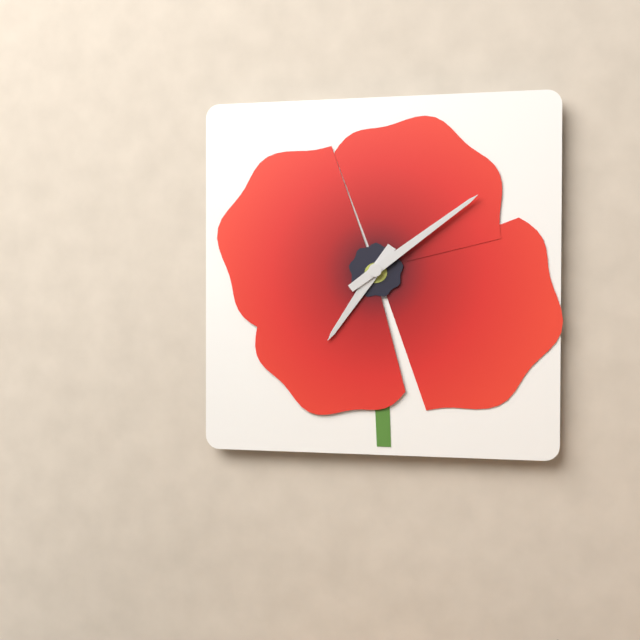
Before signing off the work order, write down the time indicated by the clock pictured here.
7:09
